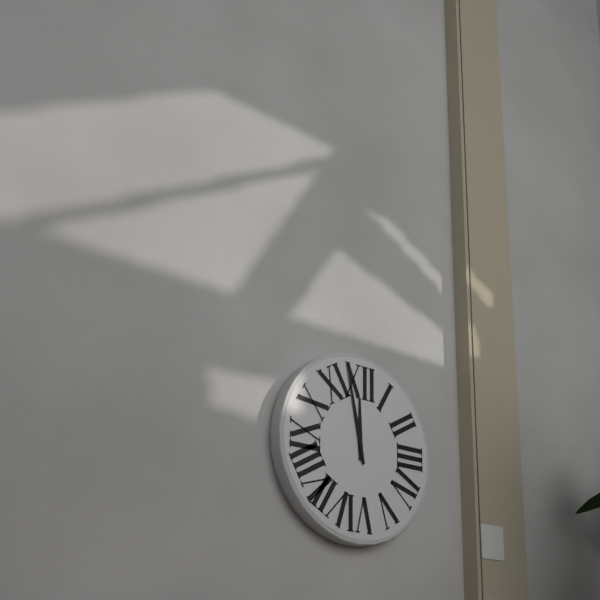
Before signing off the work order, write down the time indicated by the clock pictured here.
11:58
